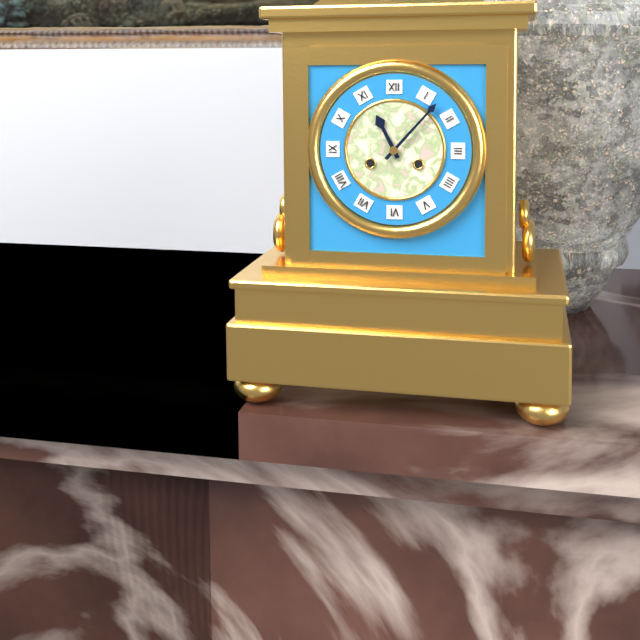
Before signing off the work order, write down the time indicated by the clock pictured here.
11:07
